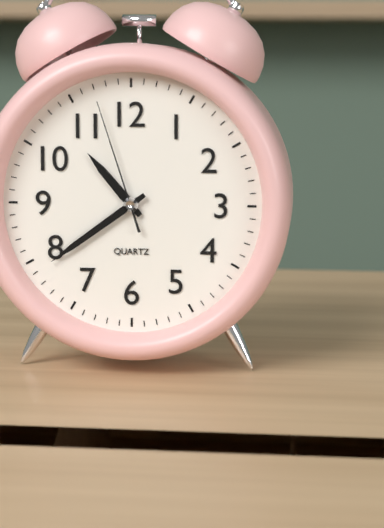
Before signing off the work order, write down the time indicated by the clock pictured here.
10:39:57
